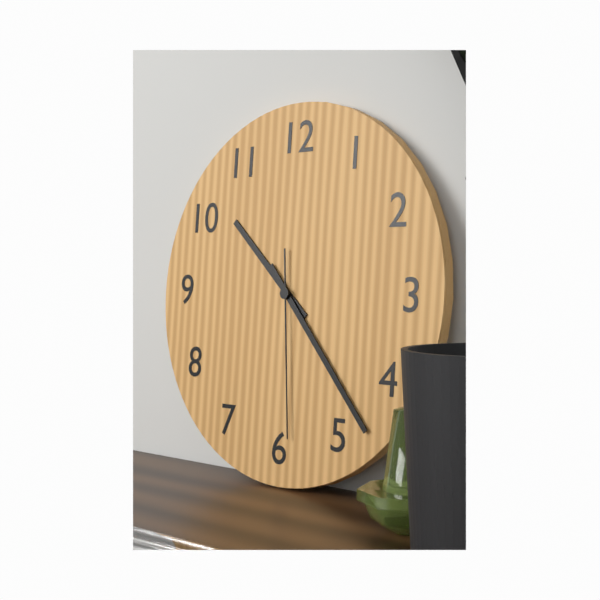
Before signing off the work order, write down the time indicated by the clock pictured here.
10:23:29
